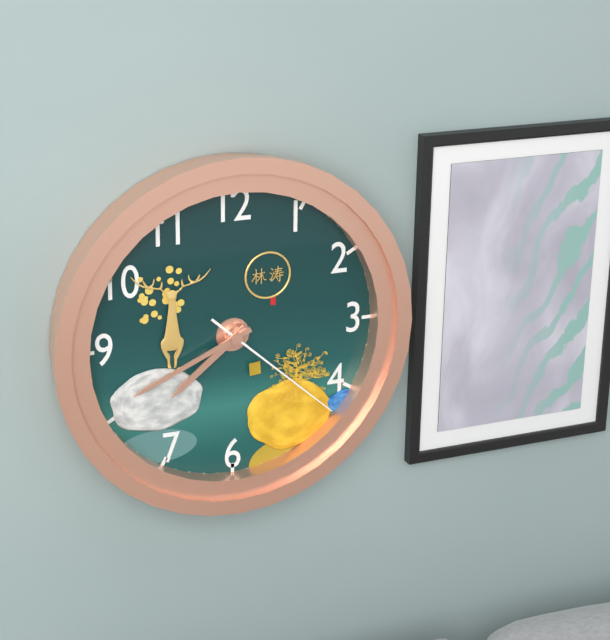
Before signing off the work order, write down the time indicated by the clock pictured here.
7:41:22
